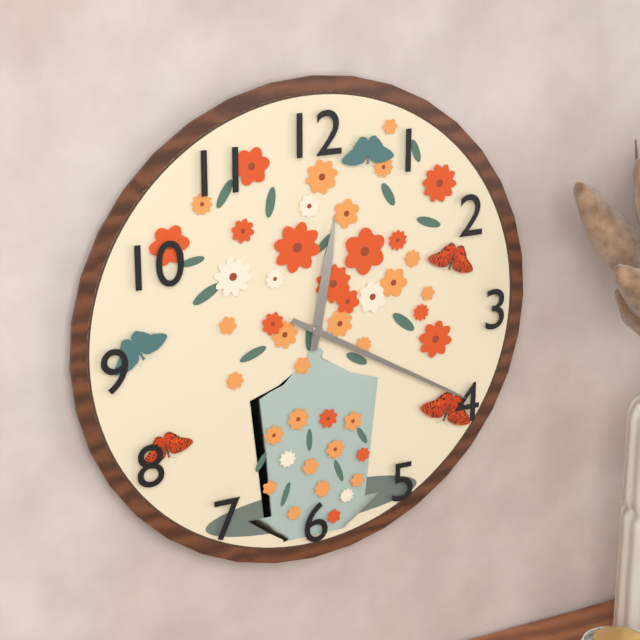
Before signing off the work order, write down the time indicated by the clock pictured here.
12:20
